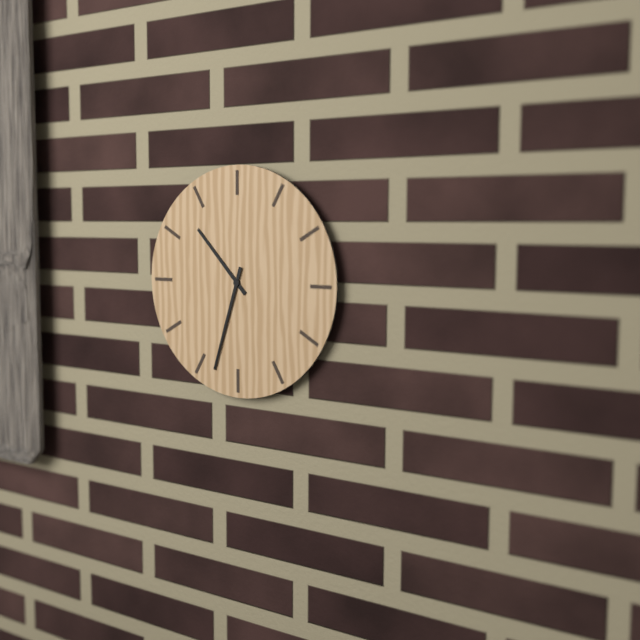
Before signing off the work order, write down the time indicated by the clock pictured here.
10:33
